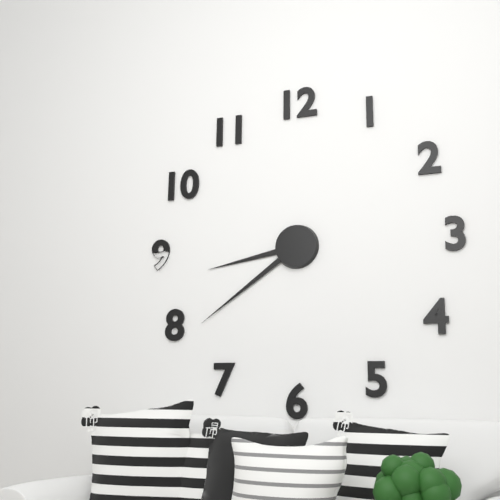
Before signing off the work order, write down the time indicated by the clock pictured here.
8:39
